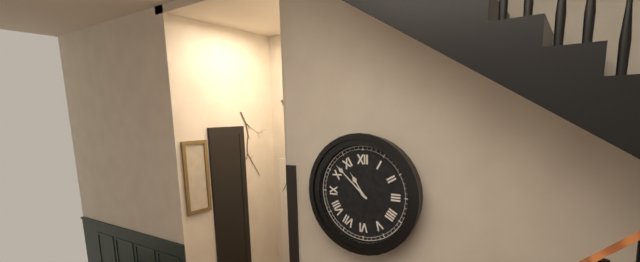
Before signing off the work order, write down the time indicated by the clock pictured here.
10:52
